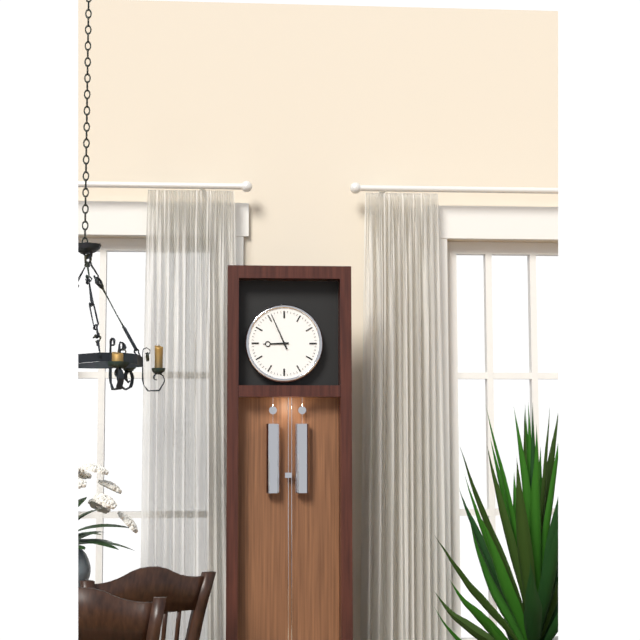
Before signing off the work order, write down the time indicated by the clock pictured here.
8:56
